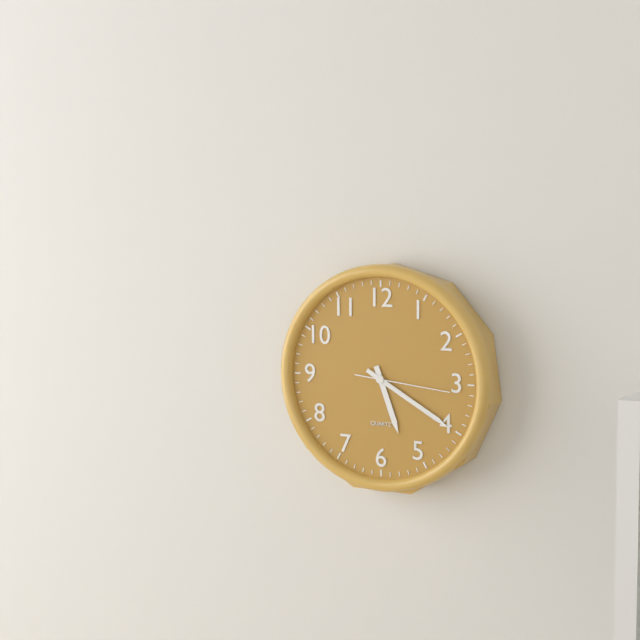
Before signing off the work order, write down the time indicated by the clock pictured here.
5:20:16
